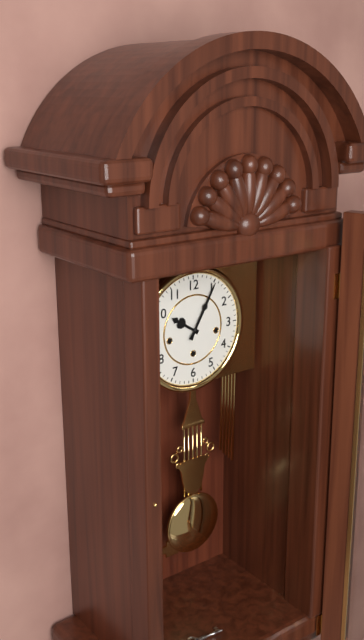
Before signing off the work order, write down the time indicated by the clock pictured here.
10:05
